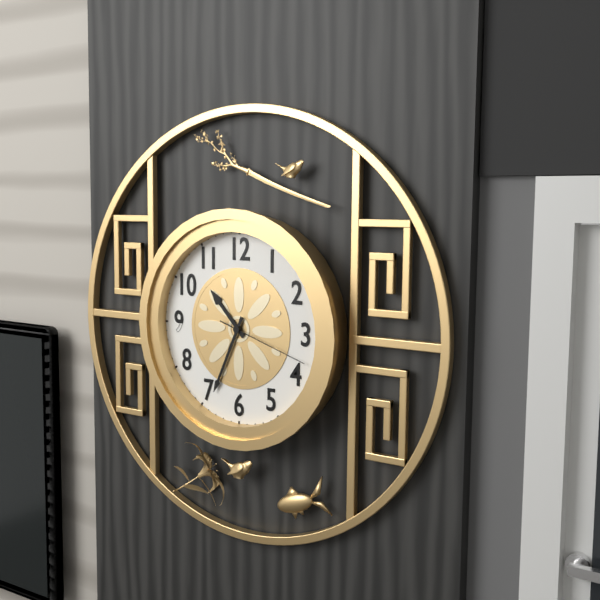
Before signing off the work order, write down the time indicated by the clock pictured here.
10:34:18
